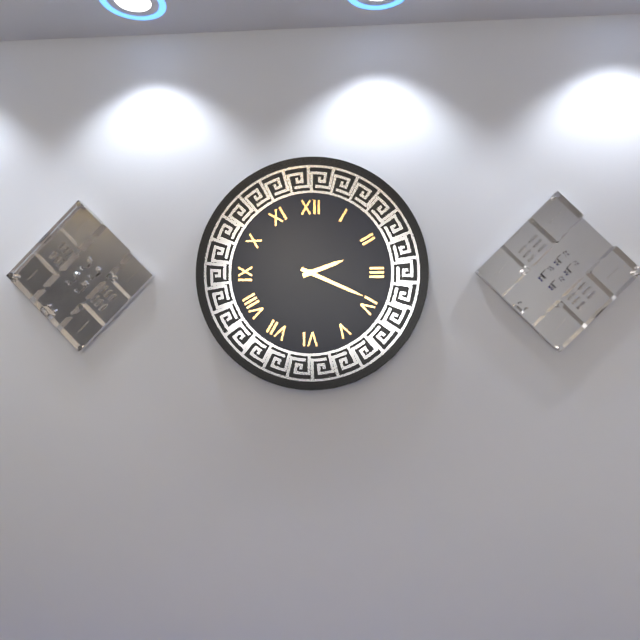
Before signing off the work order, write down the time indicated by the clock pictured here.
2:19
